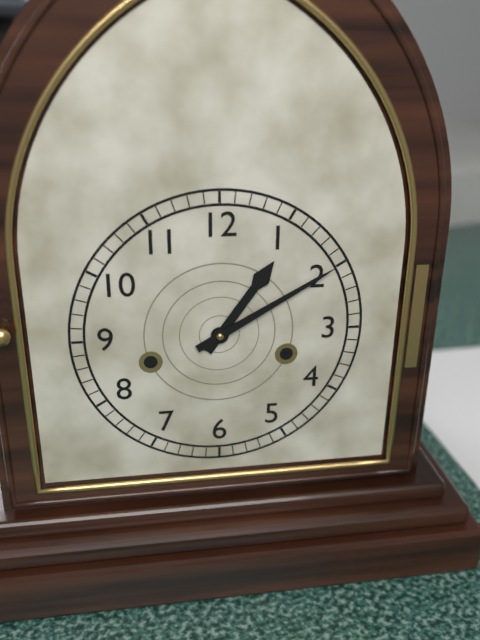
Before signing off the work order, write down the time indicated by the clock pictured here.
1:10
